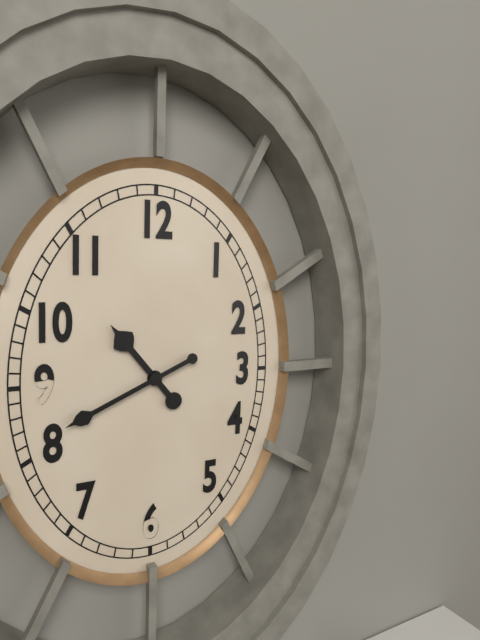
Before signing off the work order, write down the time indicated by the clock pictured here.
10:41
